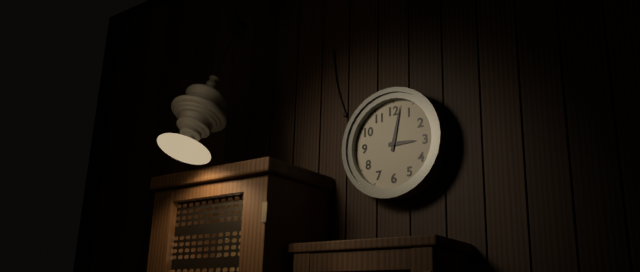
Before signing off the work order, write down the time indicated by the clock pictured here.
3:02
